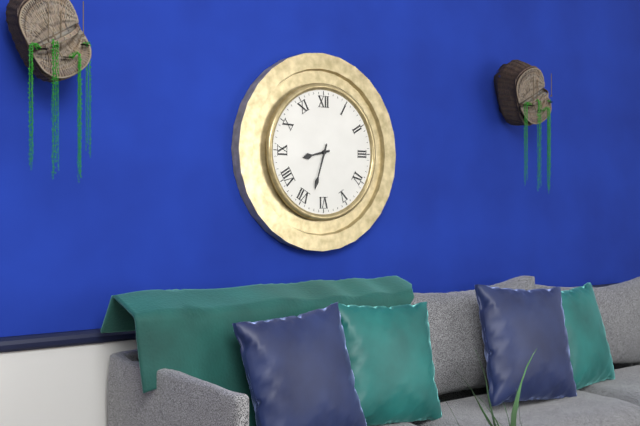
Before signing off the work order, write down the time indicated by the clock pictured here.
8:33
